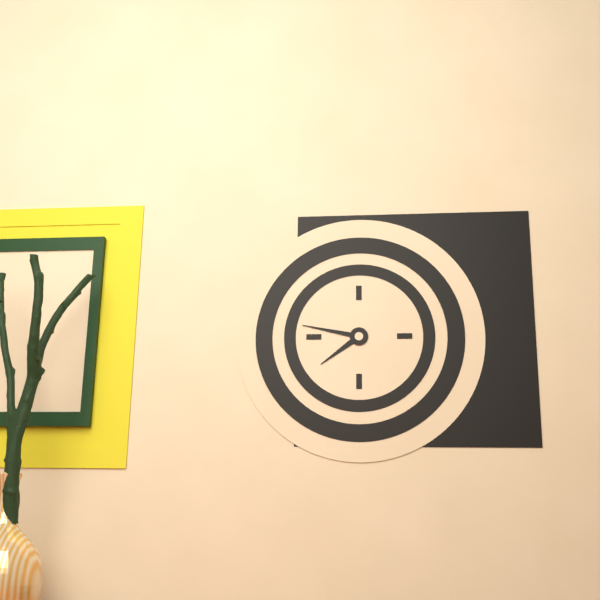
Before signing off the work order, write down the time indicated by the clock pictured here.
7:47
